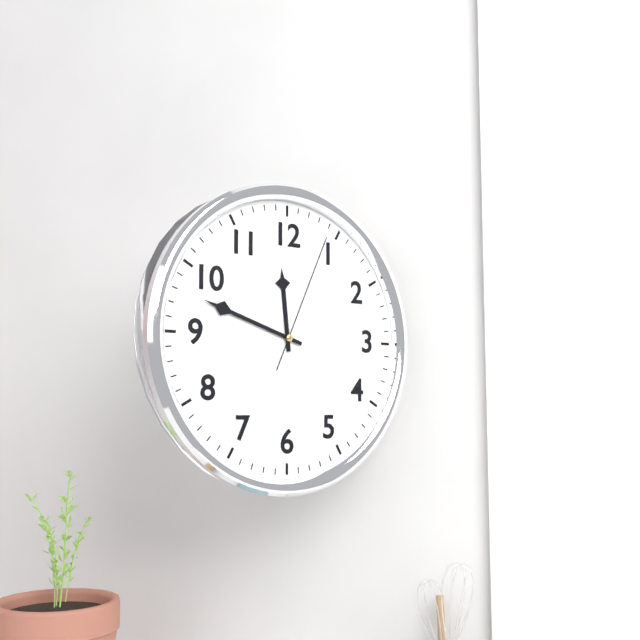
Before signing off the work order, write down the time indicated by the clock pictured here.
11:48:04
